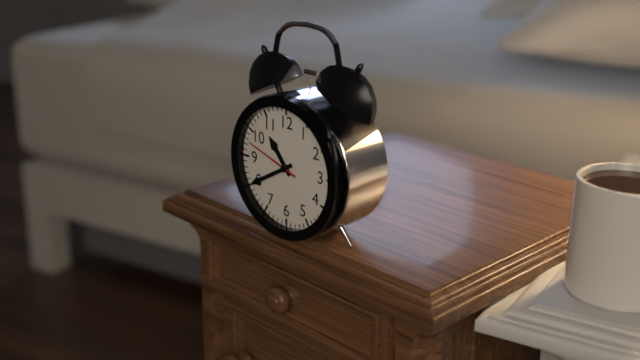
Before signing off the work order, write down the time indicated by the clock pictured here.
10:40:48
